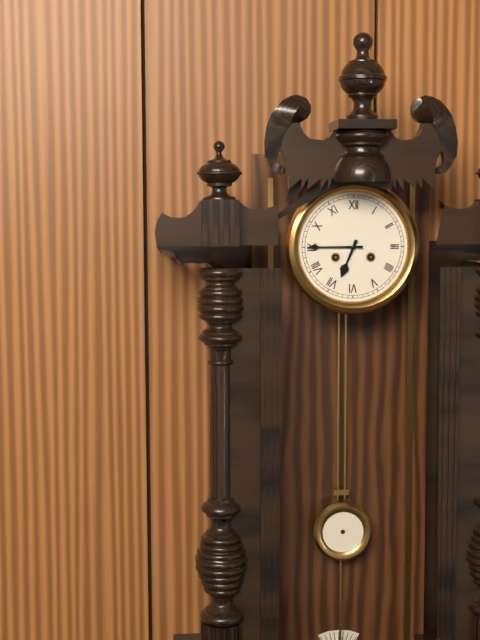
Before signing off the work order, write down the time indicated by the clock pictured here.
6:45
